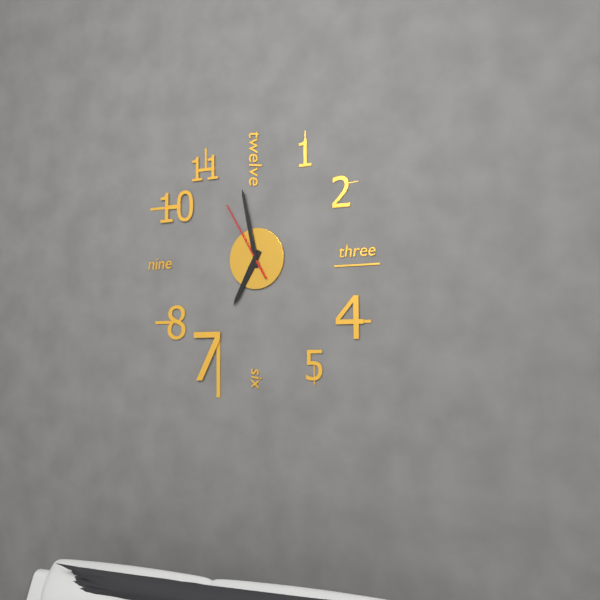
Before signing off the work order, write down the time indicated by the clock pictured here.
6:58:55
